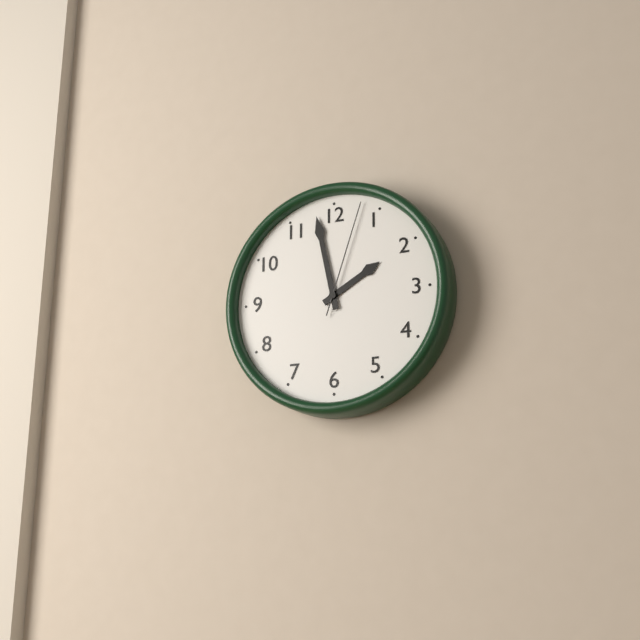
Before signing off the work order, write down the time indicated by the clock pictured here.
1:58:03
